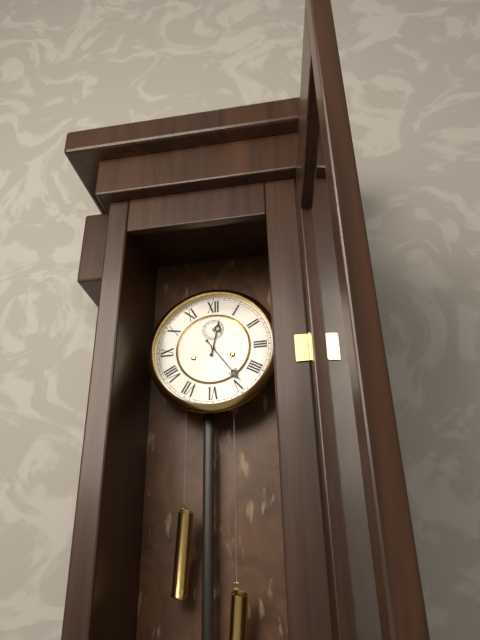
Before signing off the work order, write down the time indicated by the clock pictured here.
12:24
